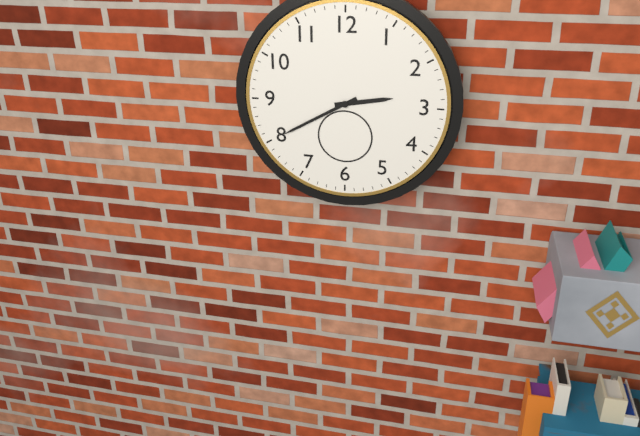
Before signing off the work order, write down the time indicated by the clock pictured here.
2:40
